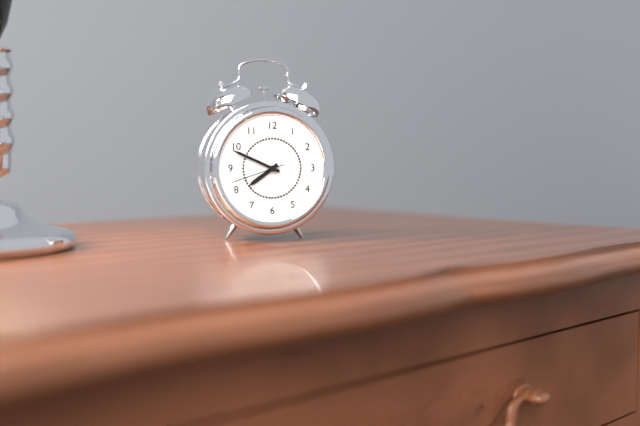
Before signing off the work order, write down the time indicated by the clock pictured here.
7:49:42
